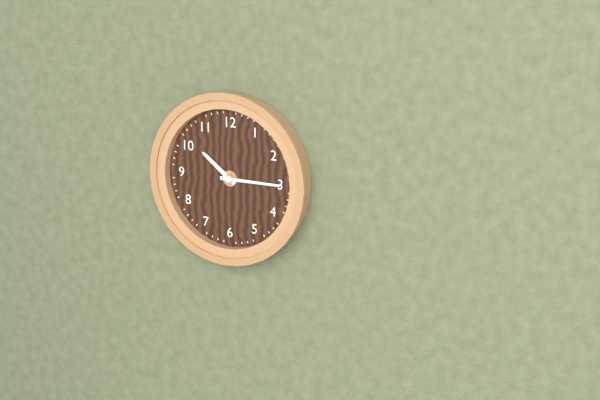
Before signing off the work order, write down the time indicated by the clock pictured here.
10:15
